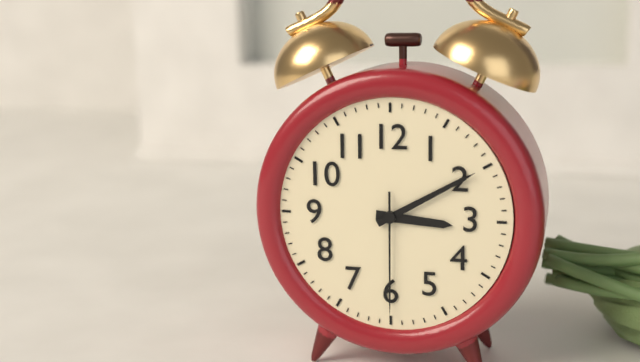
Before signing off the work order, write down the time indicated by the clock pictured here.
3:10:30
